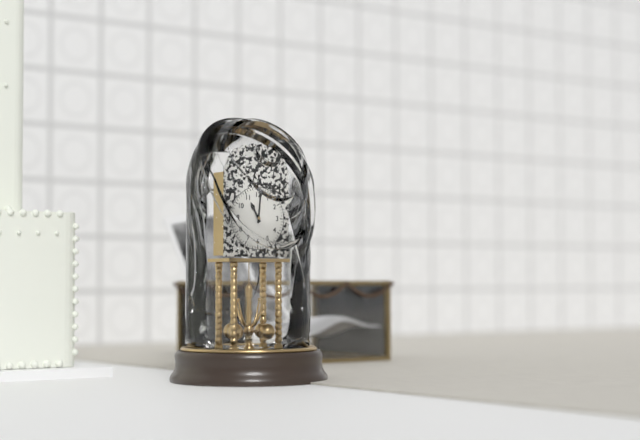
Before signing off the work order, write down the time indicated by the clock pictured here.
11:01
